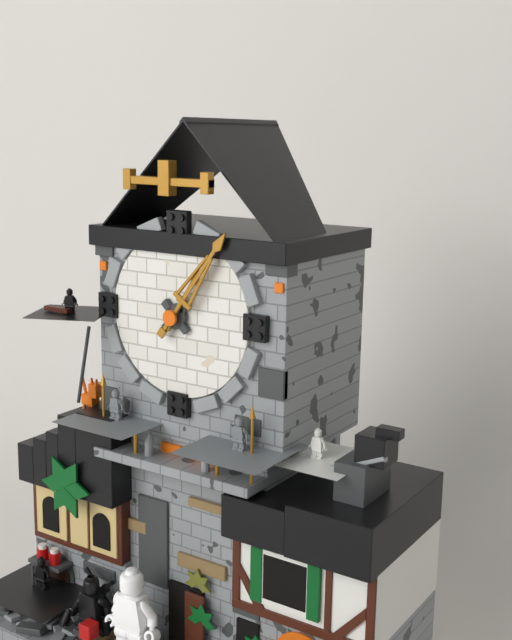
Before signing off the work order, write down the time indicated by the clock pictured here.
1:06
